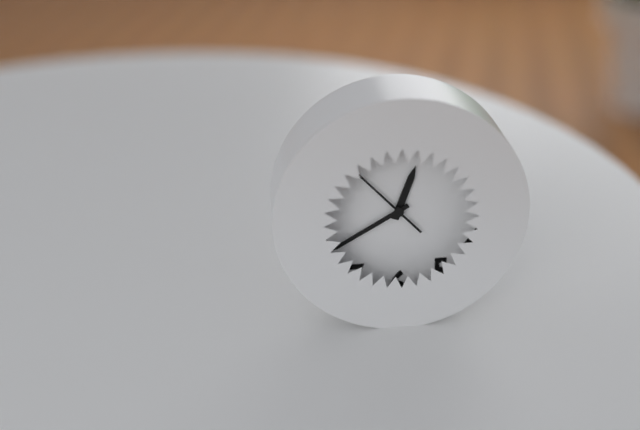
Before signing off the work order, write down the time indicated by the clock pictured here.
12:40:53
